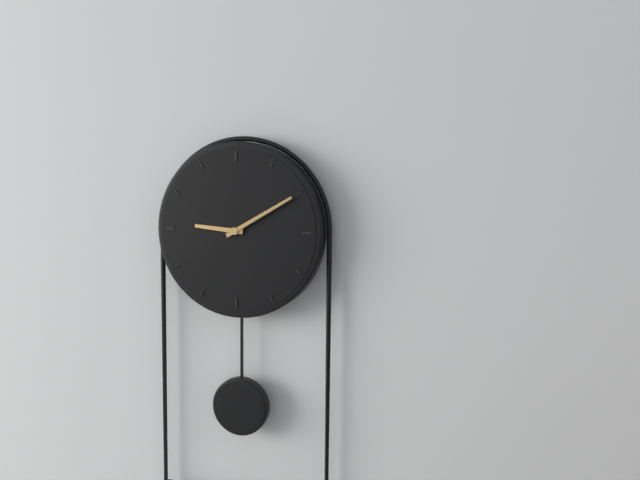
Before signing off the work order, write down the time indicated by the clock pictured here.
9:10
